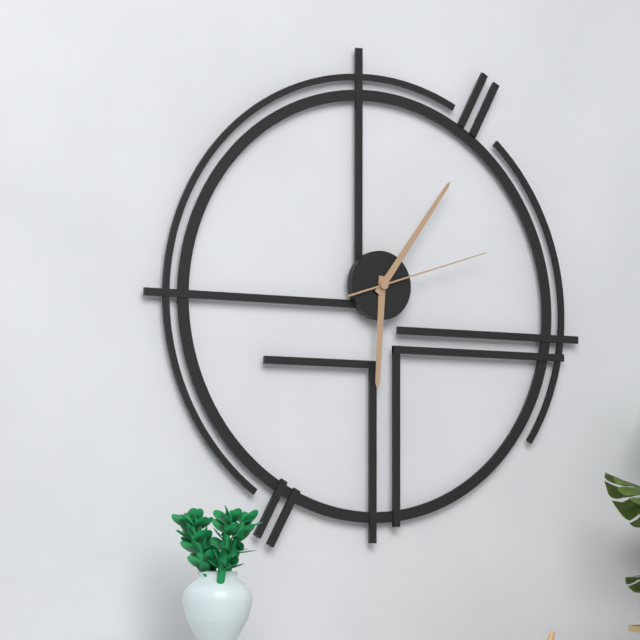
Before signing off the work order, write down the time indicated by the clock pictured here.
6:06:12
